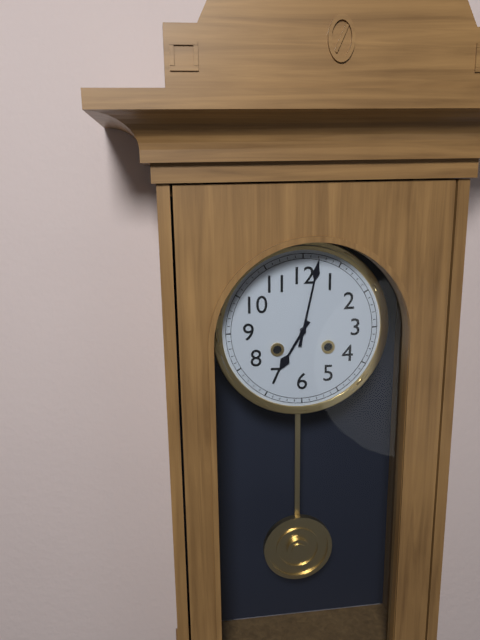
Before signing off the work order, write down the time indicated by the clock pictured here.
7:02
